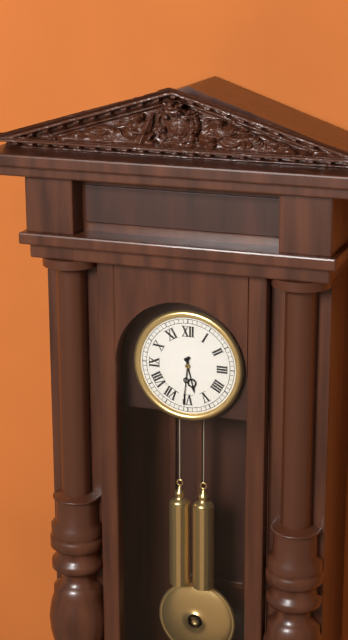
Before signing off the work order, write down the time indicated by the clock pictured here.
5:31
